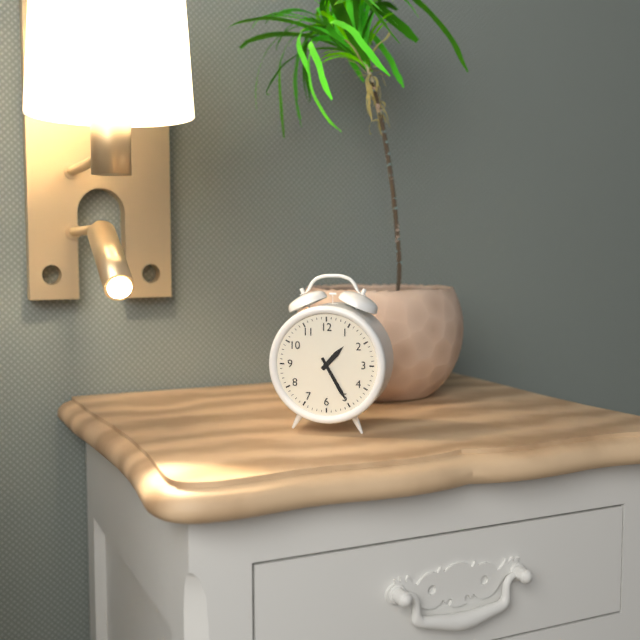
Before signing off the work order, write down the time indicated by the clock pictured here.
1:25
